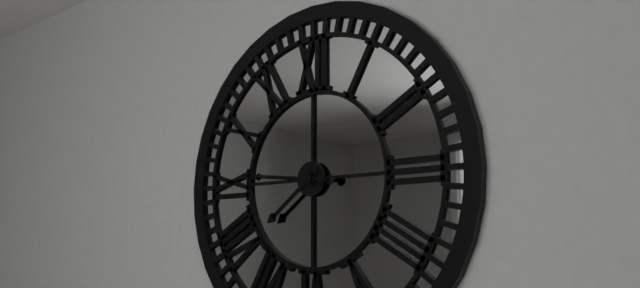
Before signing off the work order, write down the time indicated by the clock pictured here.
7:46
